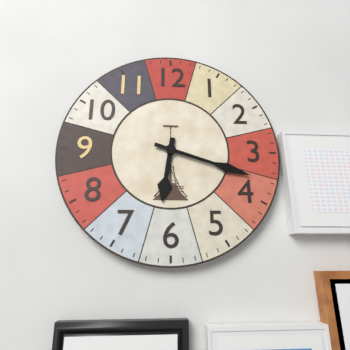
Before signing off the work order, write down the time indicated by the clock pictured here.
6:18
